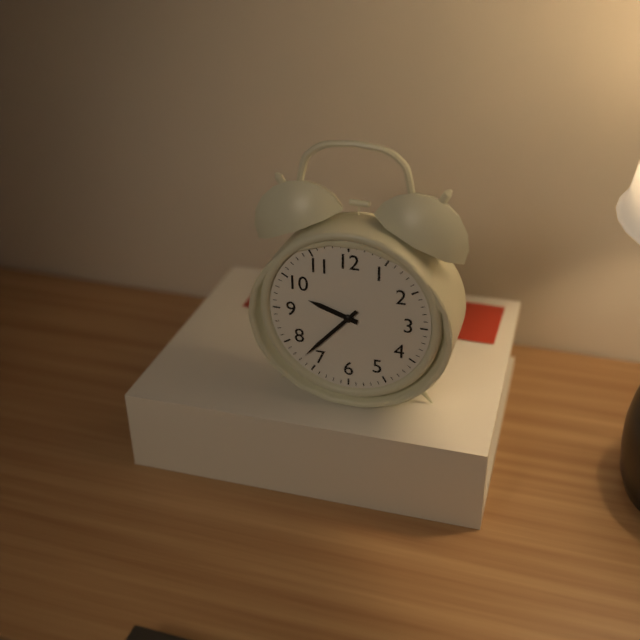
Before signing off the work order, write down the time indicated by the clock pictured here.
9:37
